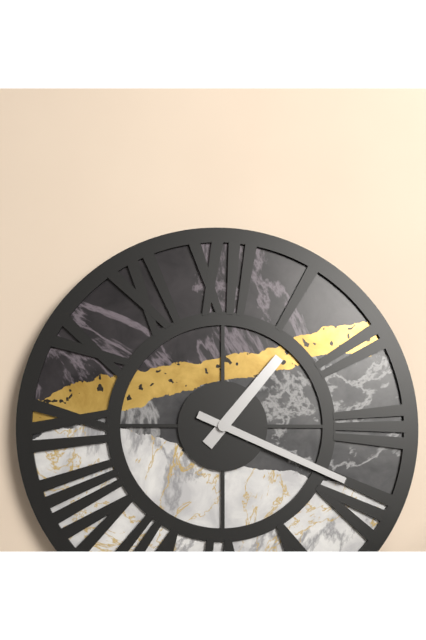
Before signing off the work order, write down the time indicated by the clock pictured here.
1:19
